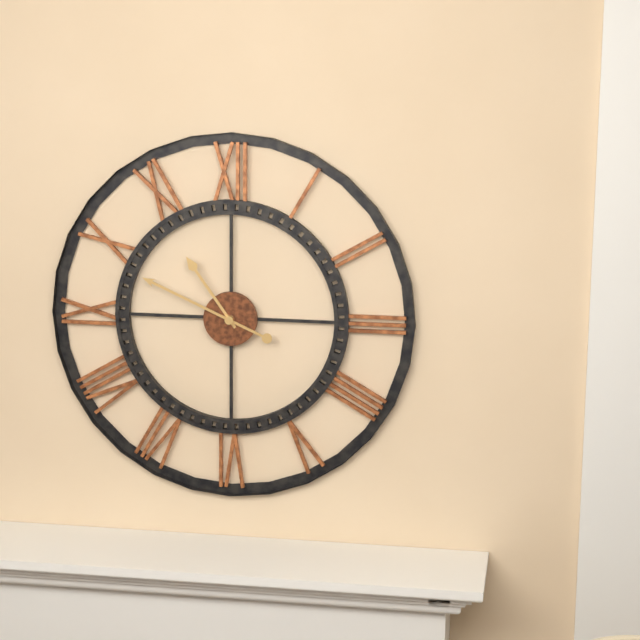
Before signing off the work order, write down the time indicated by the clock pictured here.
10:49
